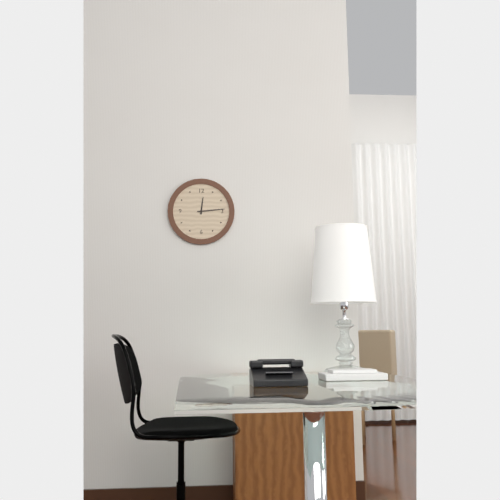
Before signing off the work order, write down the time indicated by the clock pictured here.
12:14
